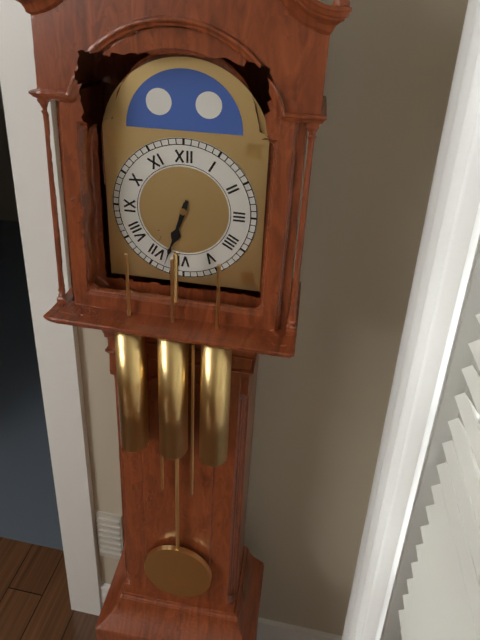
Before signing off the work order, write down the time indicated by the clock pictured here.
6:33
